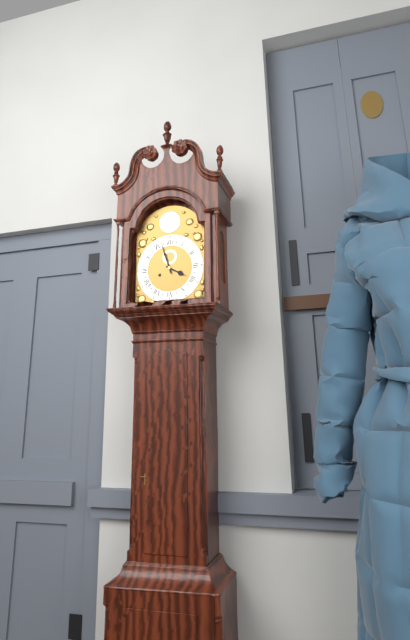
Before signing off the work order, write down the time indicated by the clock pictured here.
3:57
